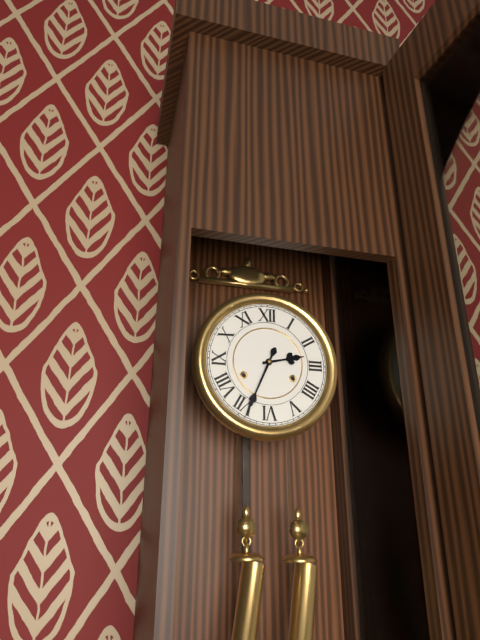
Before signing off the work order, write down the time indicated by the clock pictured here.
2:34
